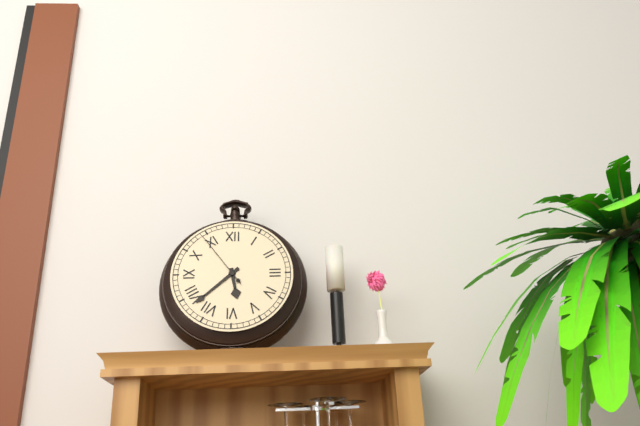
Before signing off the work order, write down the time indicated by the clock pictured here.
5:38:54
